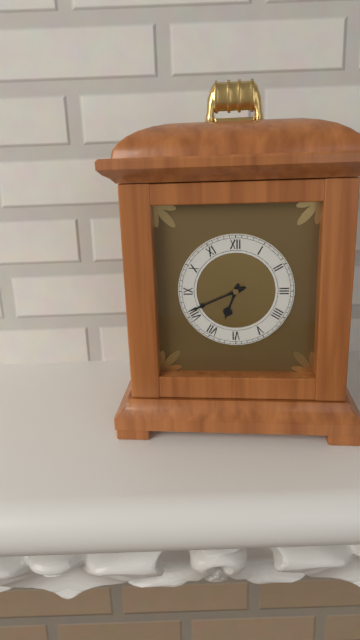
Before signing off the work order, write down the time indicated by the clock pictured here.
6:41
